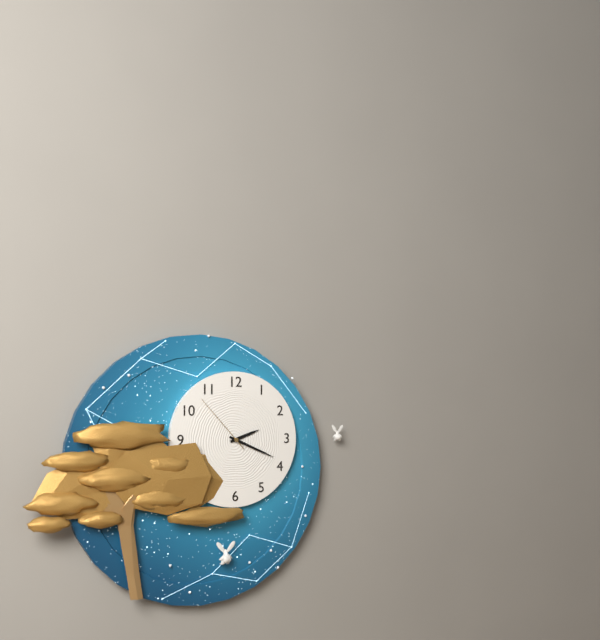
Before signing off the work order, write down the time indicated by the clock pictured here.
2:19:53
